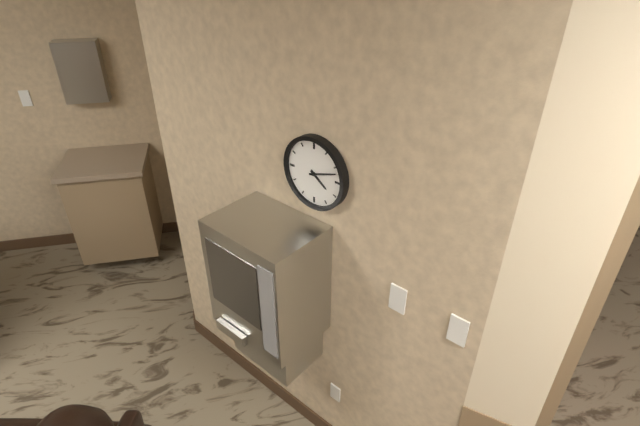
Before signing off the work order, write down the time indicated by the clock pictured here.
4:12
